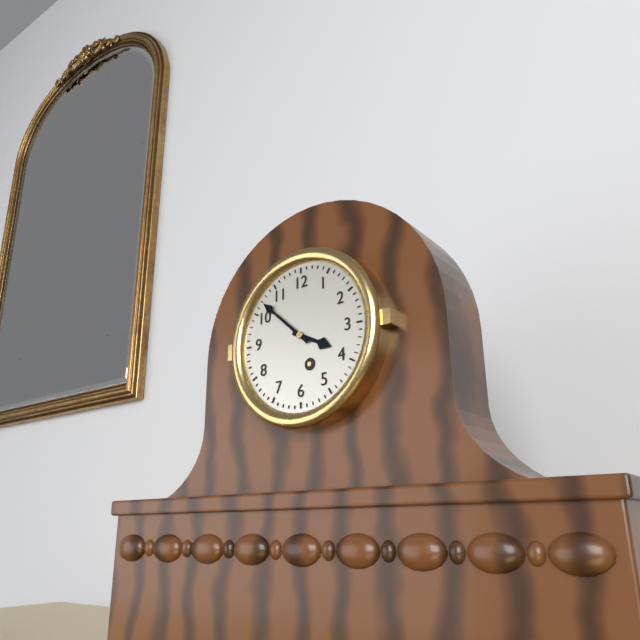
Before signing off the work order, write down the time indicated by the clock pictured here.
3:52
